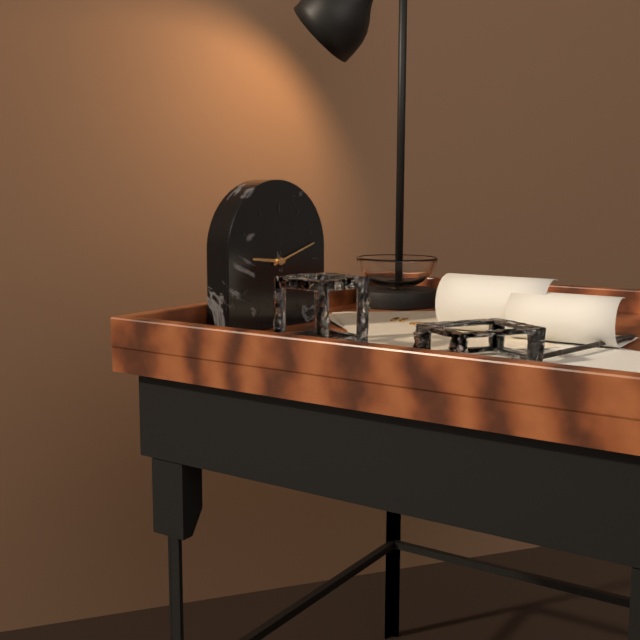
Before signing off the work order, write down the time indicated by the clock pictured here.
9:12
